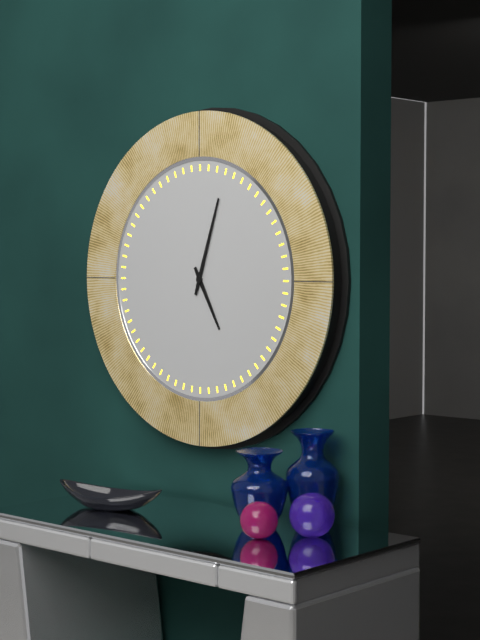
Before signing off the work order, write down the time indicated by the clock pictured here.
5:03
